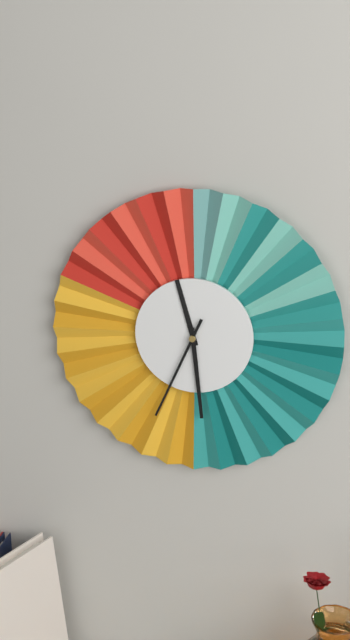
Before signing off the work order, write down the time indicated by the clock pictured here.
11:29:34
